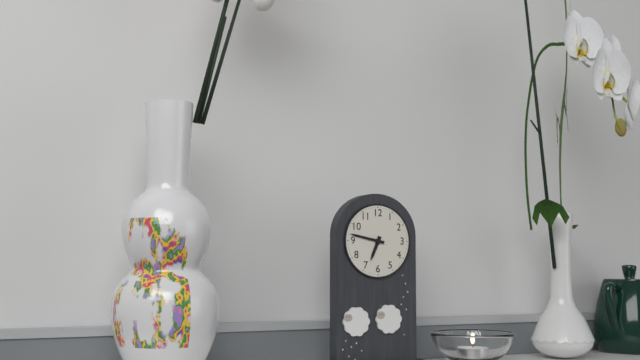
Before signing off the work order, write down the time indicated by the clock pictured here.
6:47
